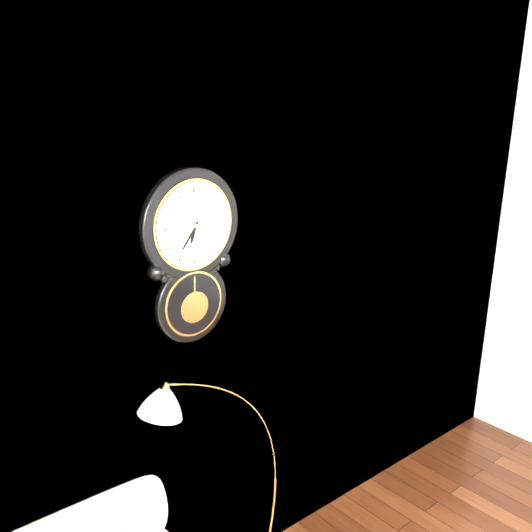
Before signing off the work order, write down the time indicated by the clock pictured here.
6:36
